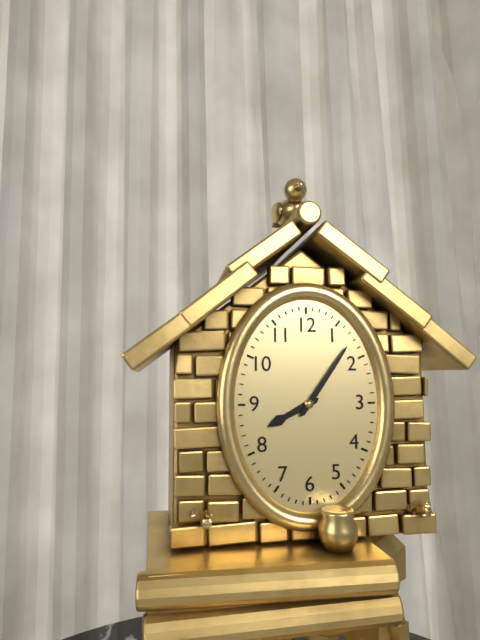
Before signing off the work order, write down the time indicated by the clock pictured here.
8:06
